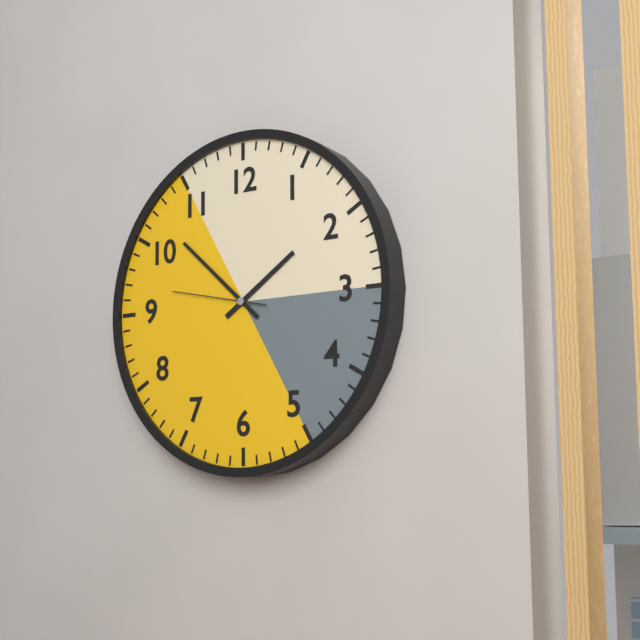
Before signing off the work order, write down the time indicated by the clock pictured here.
1:52:47
